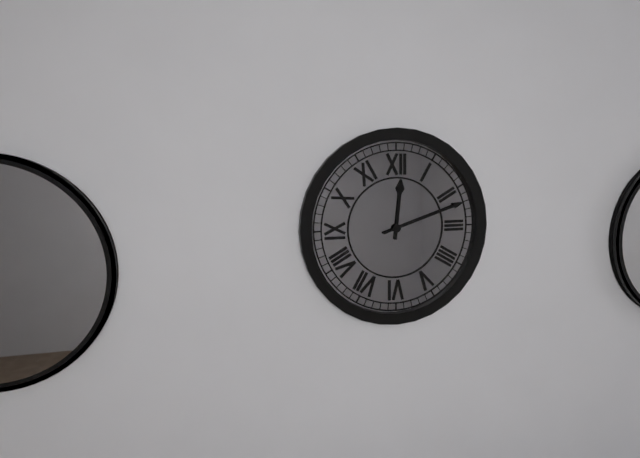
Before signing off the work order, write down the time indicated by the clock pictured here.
12:12
